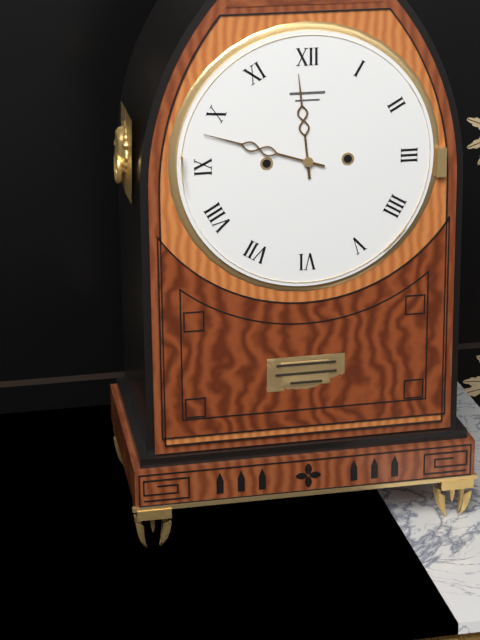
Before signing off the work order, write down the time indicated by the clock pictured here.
11:48
